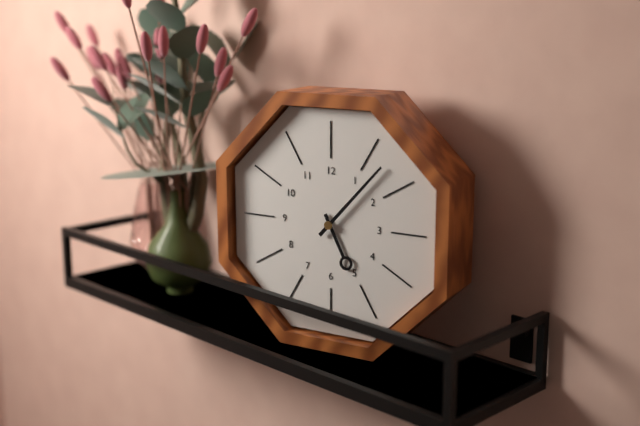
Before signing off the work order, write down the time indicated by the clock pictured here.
5:07
